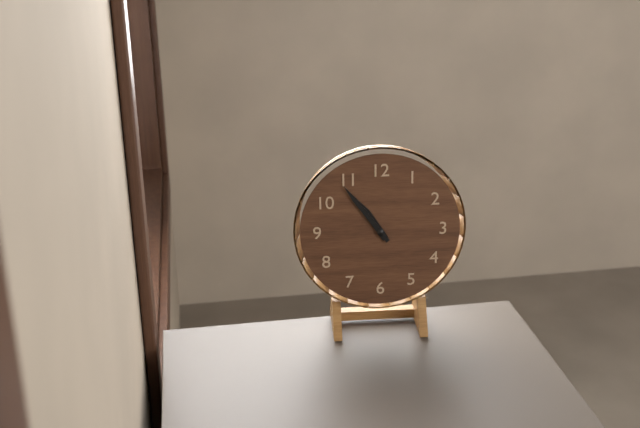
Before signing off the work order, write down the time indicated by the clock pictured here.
10:54
